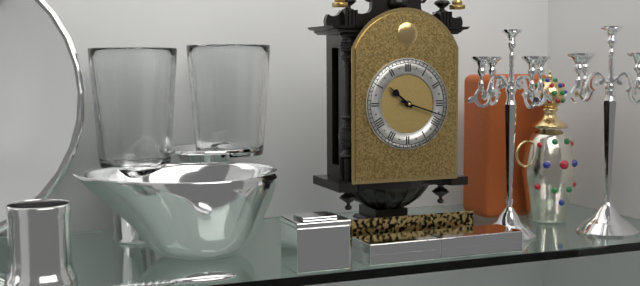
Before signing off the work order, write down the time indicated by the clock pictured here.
10:18
